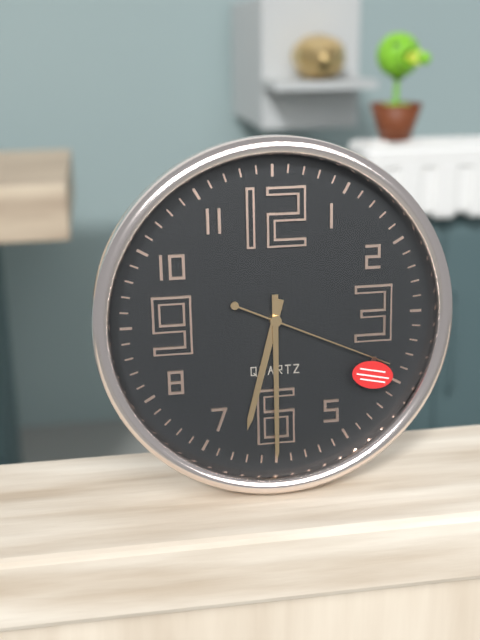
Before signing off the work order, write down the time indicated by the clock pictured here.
6:30:19
